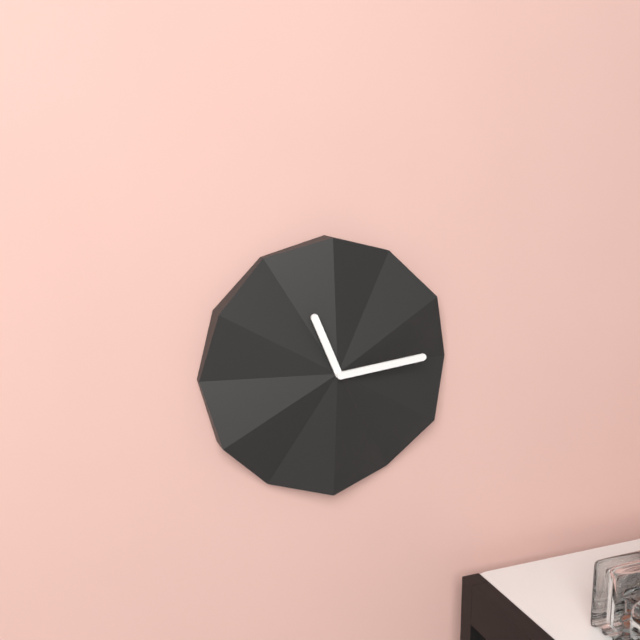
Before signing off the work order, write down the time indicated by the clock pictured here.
11:14
